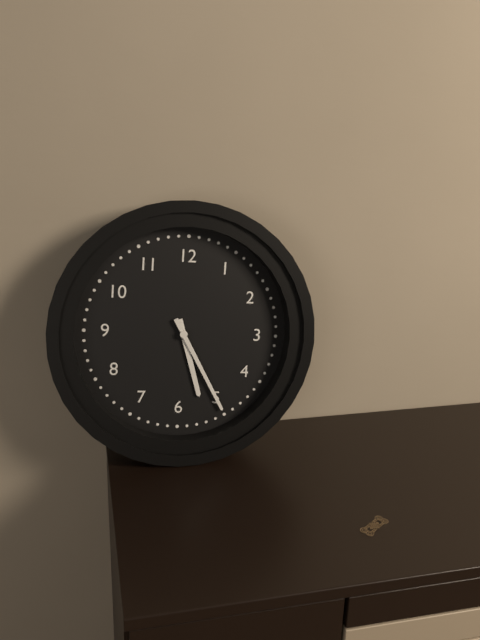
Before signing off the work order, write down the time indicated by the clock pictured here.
5:25
